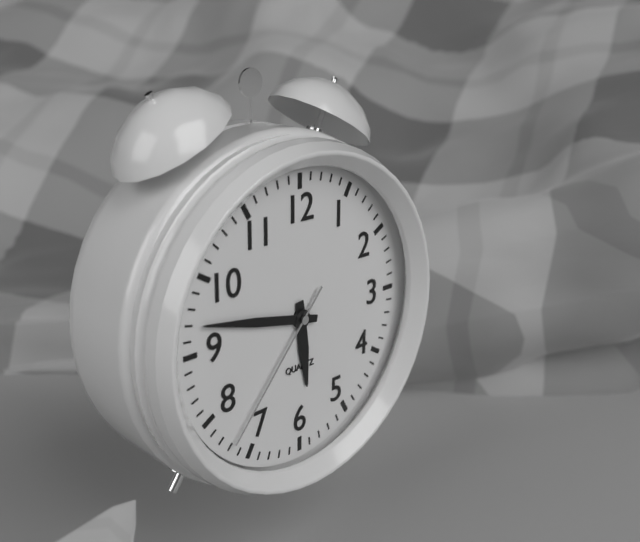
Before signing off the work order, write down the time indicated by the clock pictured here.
5:47:37
